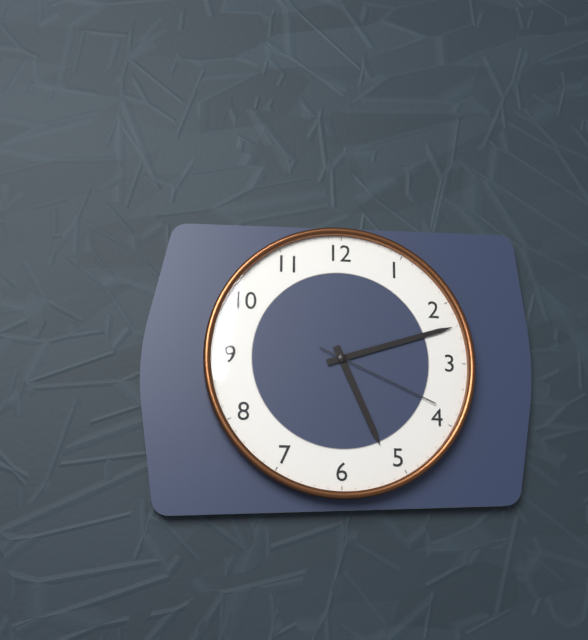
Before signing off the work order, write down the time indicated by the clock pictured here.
5:12:19
